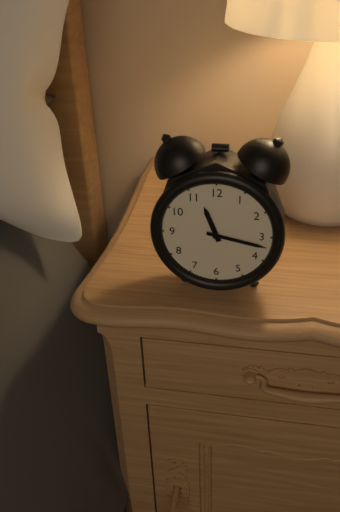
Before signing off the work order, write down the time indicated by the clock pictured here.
11:17
